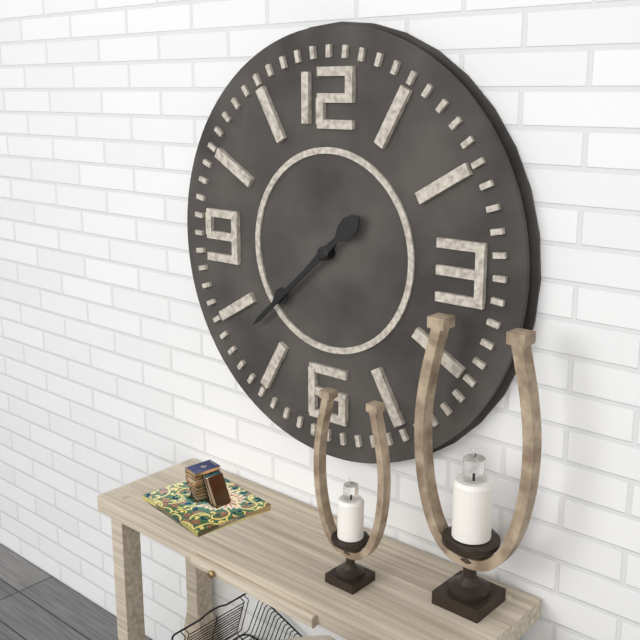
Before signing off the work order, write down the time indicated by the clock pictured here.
7:38
